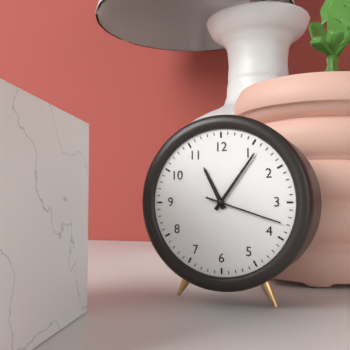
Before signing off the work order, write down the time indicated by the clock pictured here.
11:06:18
